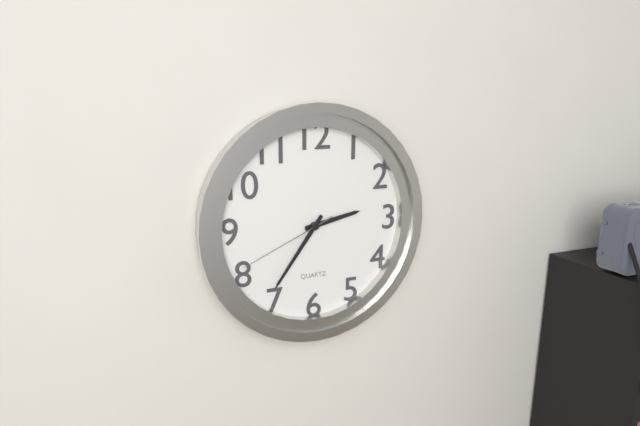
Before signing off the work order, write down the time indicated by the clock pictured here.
2:36:41
